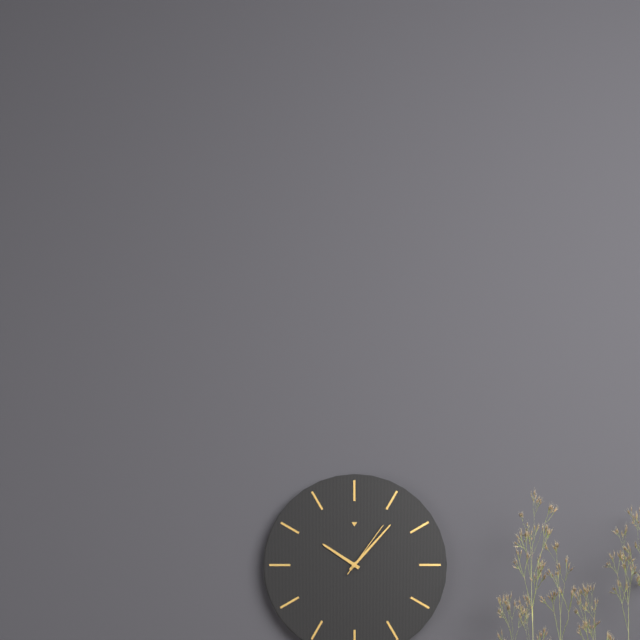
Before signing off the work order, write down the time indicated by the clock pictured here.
10:07:06
